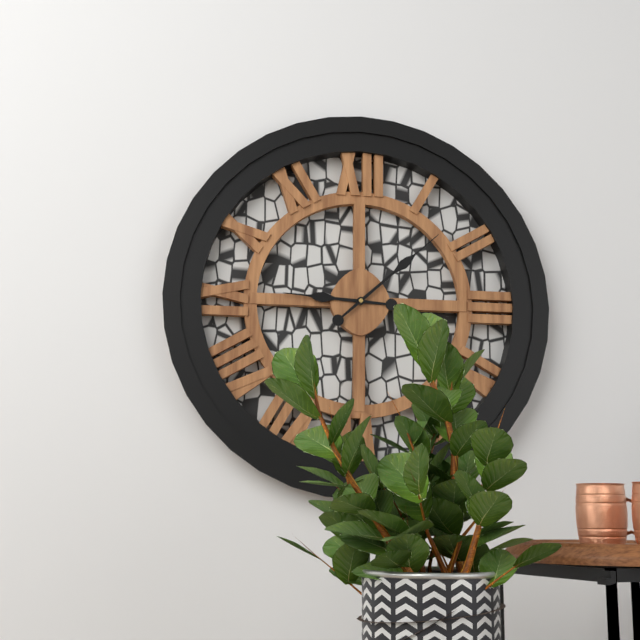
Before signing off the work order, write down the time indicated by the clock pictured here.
9:08
